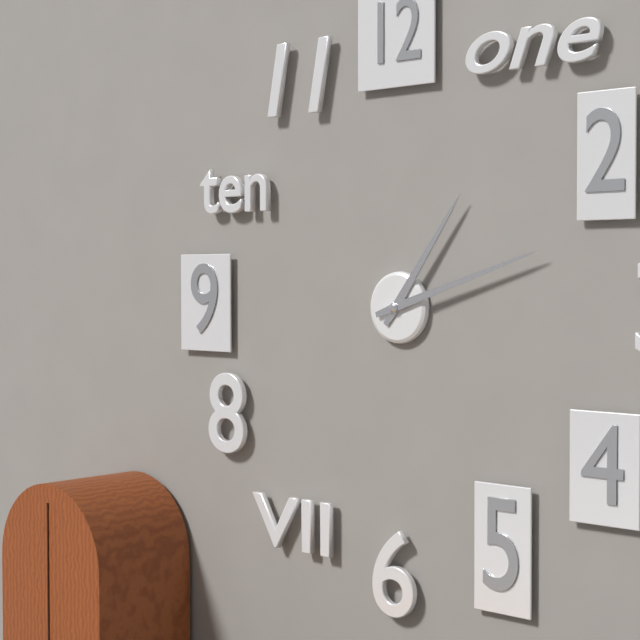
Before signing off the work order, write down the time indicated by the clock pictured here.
1:12
